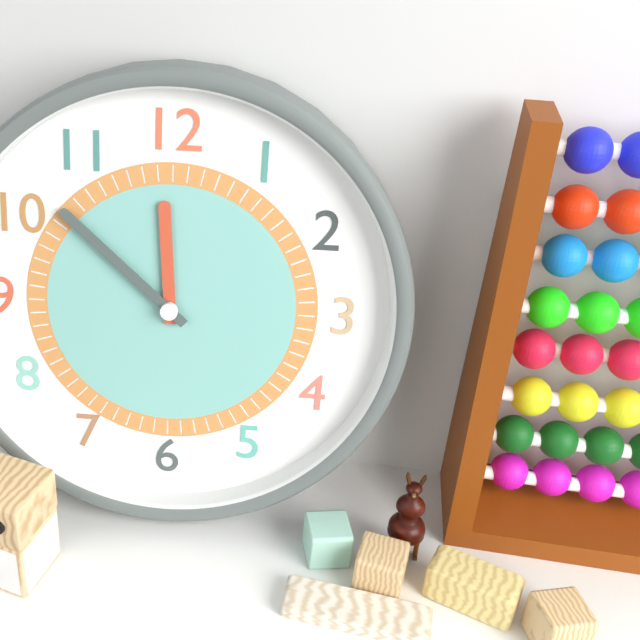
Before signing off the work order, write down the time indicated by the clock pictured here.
11:52
